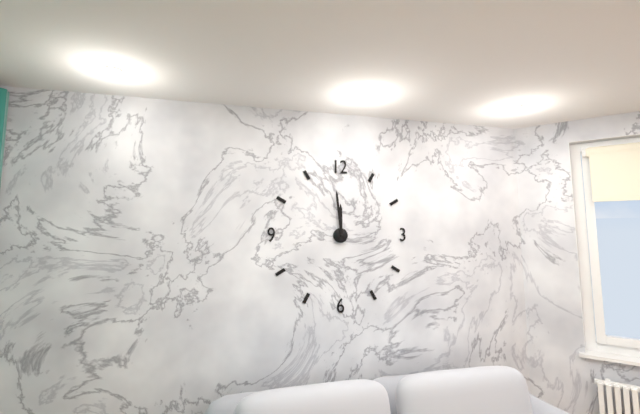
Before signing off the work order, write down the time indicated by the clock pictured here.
11:59
